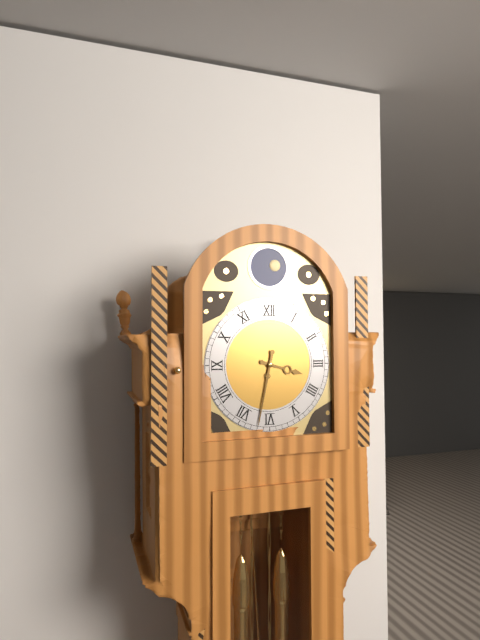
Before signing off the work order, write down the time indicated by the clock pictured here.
3:32
